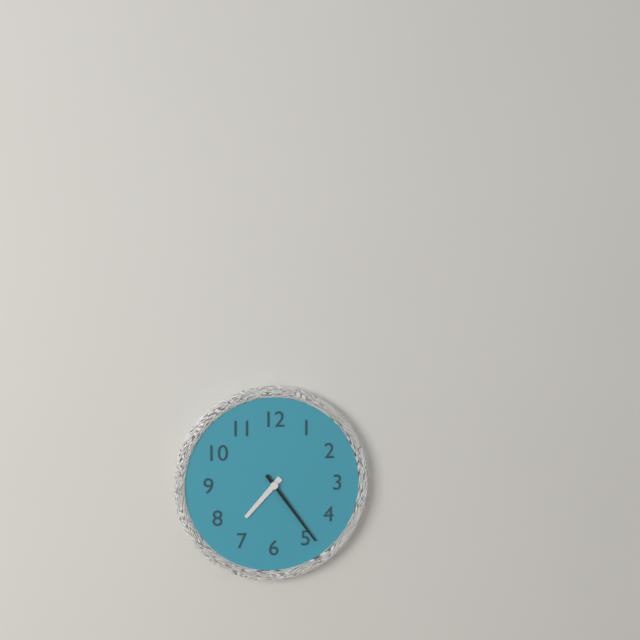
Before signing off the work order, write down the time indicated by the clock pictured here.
7:24
